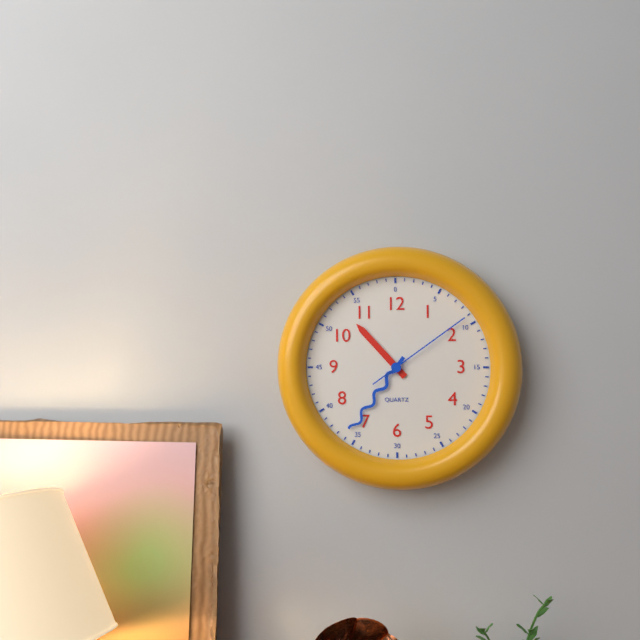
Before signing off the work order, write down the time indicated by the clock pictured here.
10:36:09
